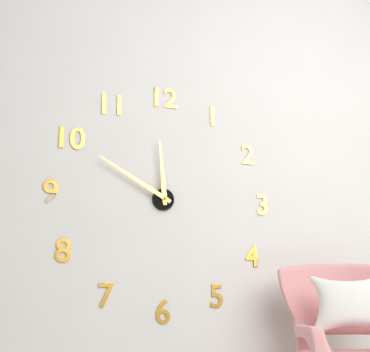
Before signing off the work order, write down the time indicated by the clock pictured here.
11:50
